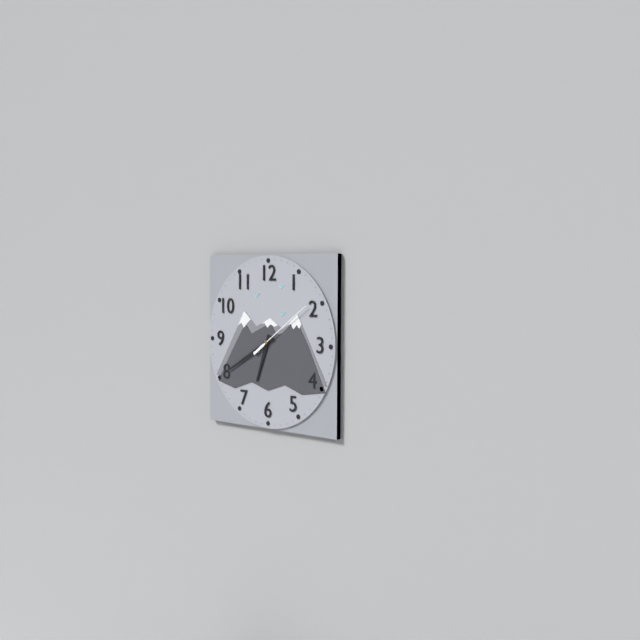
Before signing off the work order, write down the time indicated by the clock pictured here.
6:40:09
